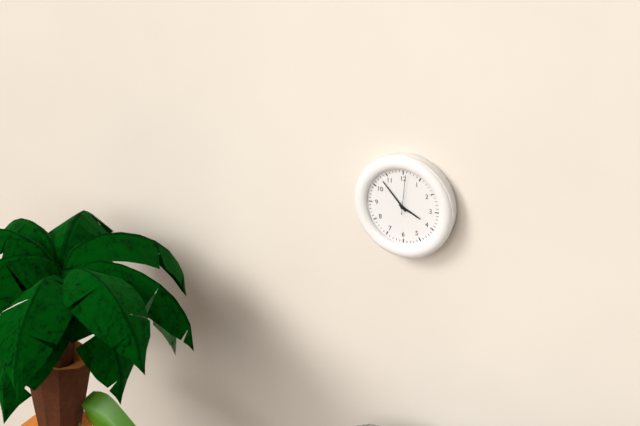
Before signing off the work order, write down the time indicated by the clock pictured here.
3:53
